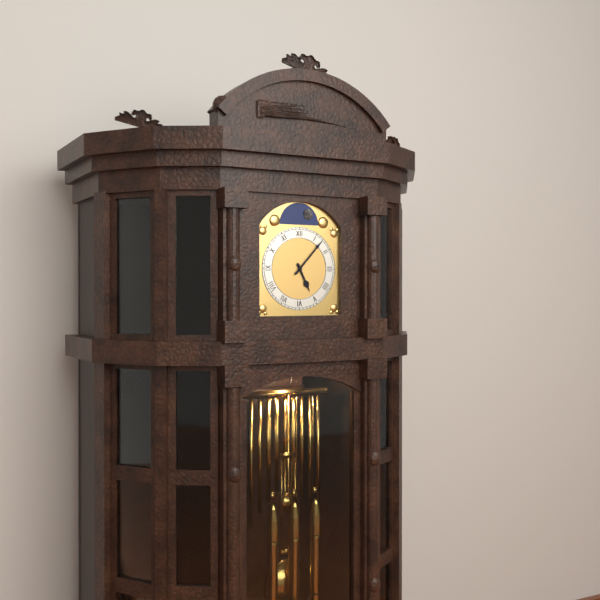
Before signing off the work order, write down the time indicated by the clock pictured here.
5:07
